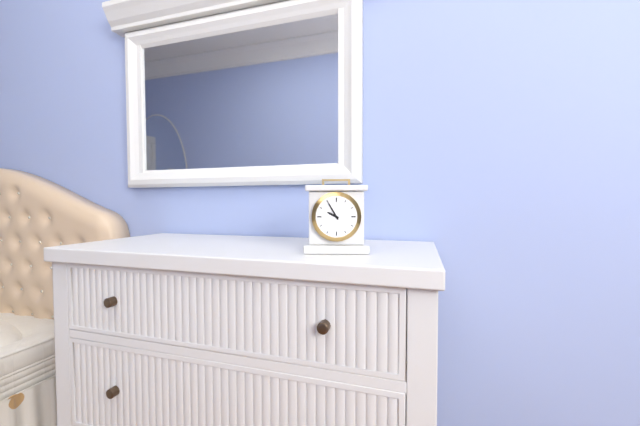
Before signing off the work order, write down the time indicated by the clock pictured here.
9:55
